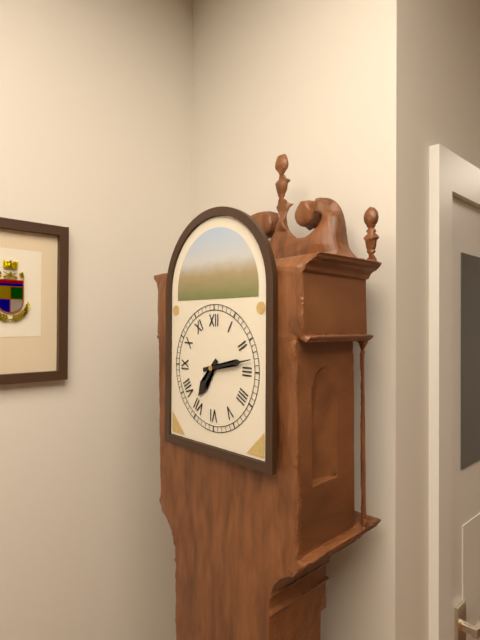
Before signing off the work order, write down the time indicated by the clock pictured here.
7:13
